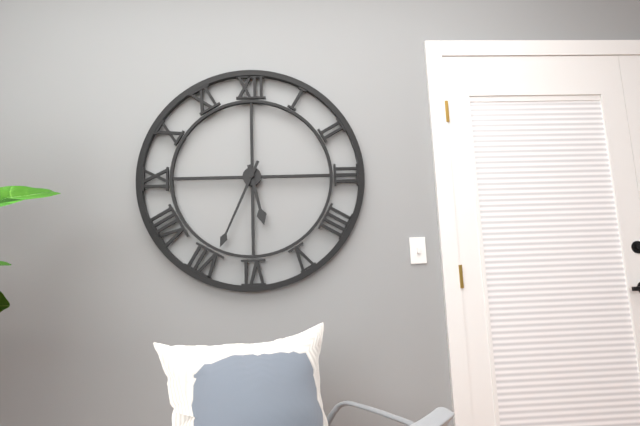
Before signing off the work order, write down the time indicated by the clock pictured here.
5:34
